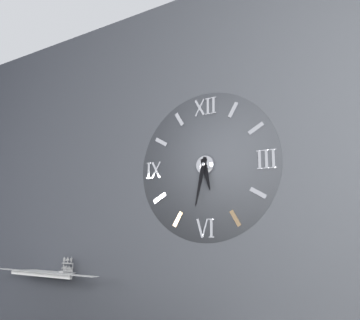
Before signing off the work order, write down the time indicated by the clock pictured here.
5:32
